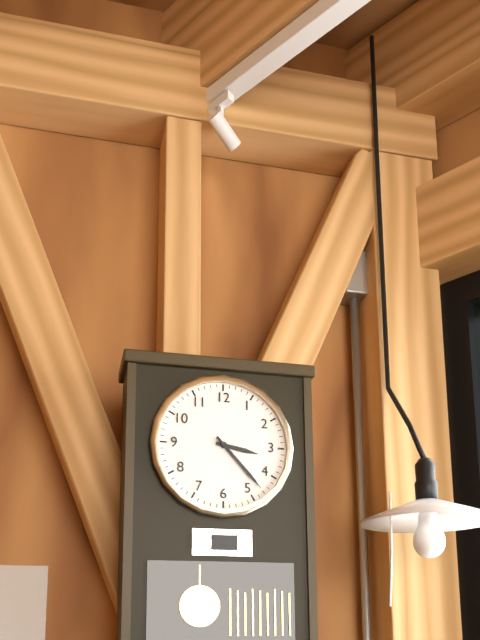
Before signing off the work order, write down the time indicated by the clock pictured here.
3:23
